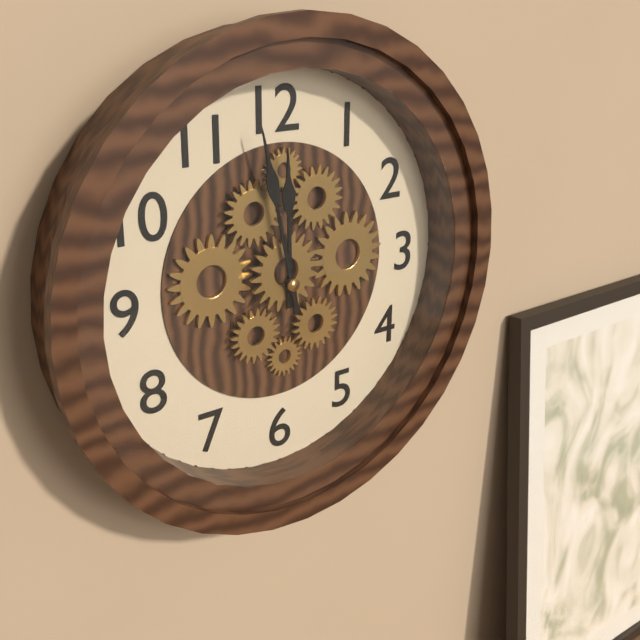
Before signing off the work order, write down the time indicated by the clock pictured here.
11:58
